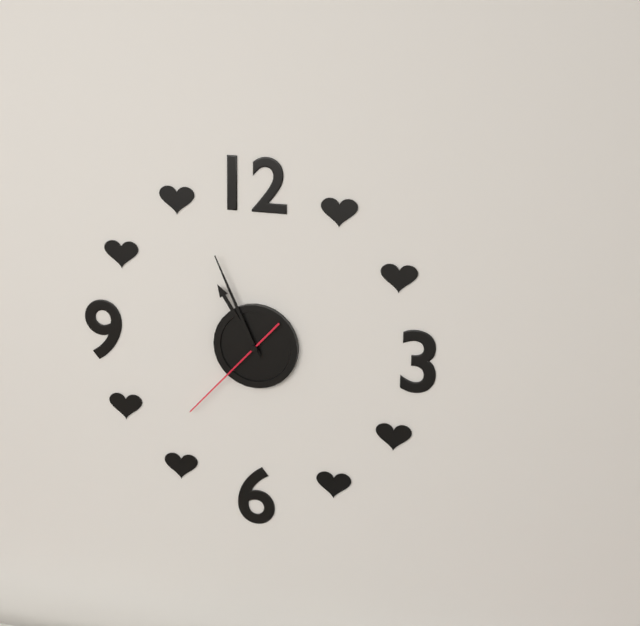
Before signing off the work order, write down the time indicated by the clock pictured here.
10:56:37
